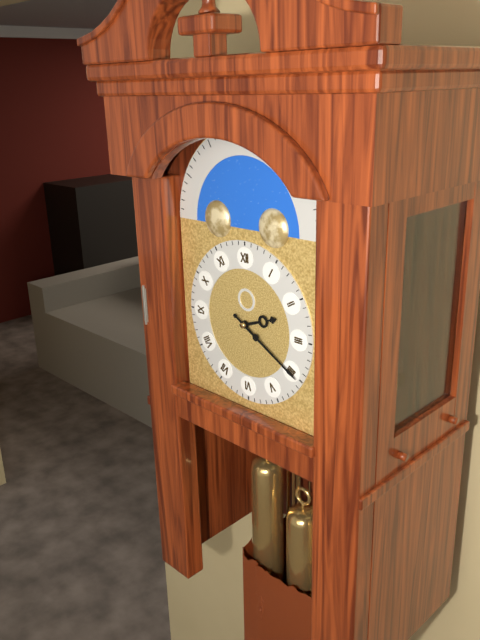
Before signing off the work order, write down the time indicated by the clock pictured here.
2:20
